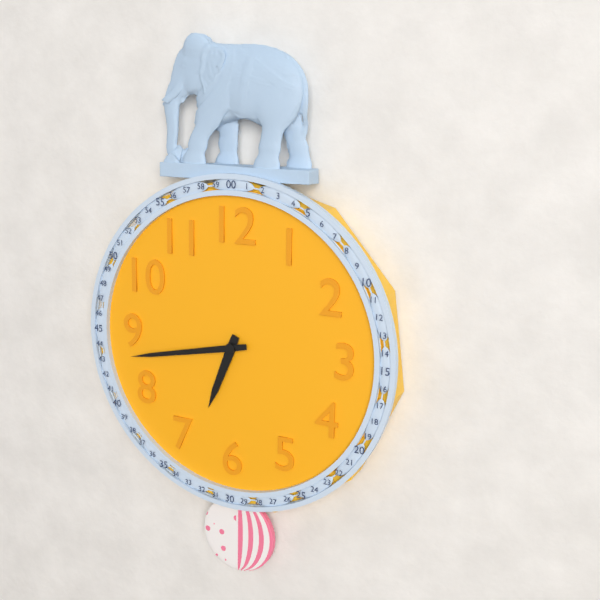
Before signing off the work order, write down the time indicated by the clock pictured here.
6:43
